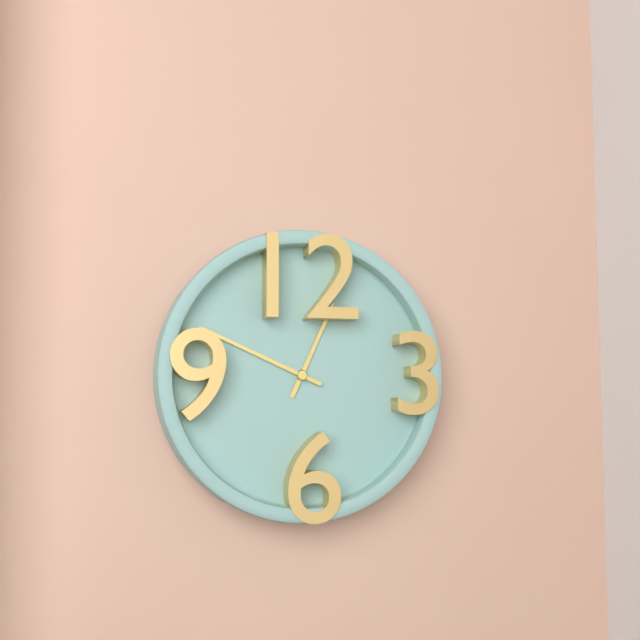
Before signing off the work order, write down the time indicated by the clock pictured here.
12:49
